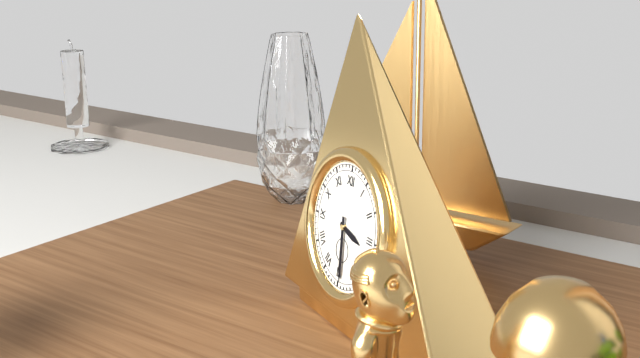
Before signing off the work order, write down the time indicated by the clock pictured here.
3:29
